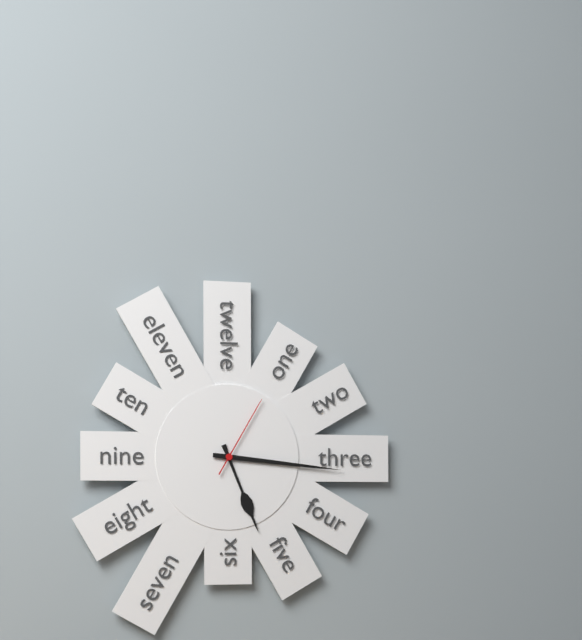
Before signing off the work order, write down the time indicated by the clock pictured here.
5:16:05
